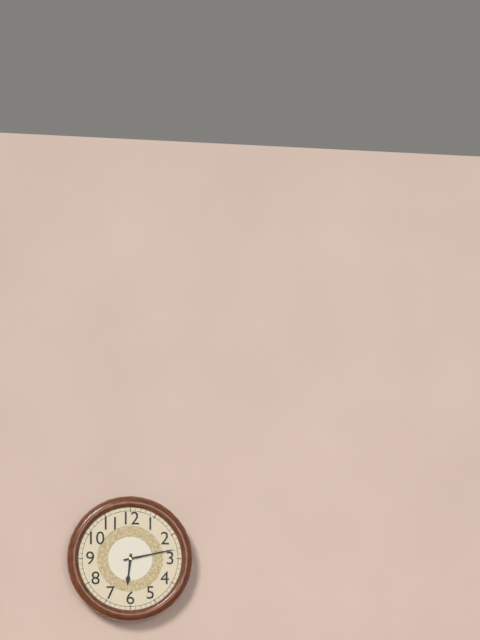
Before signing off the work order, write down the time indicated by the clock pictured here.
6:13
